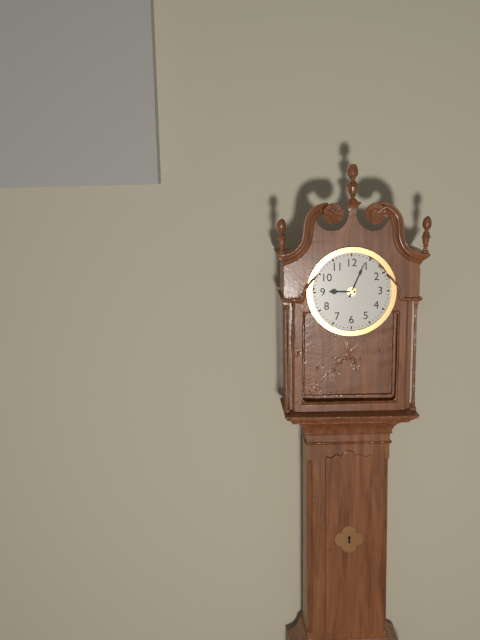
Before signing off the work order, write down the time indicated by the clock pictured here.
9:04
